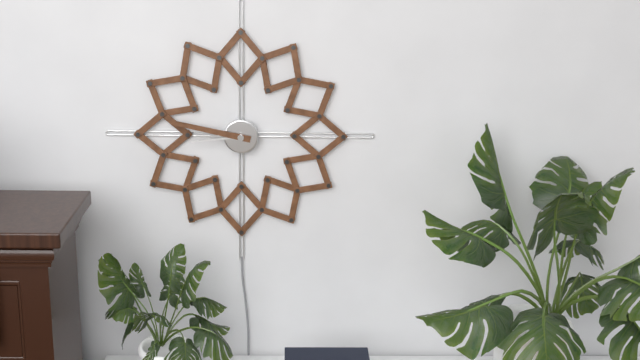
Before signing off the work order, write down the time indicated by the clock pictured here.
8:47
